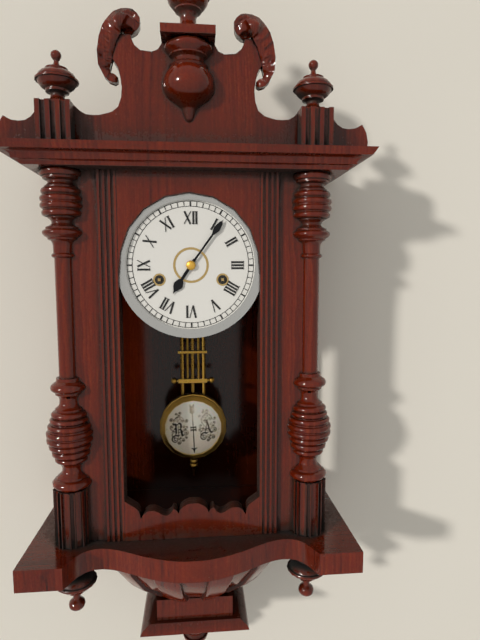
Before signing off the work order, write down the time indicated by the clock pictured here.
7:06
